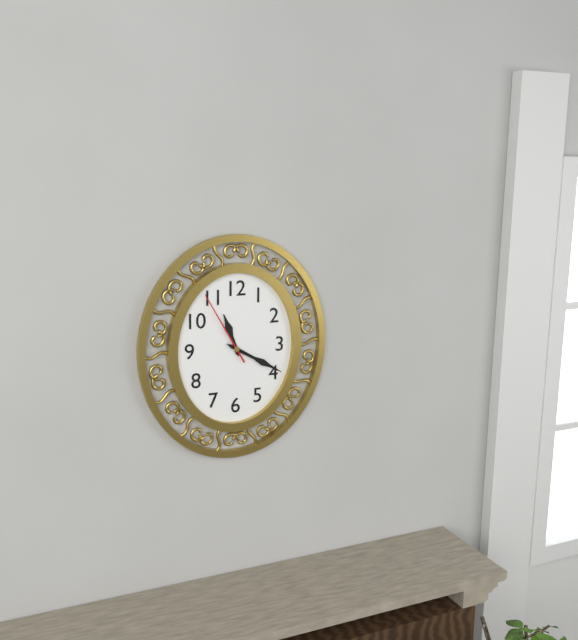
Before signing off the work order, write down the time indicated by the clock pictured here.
11:20:55
